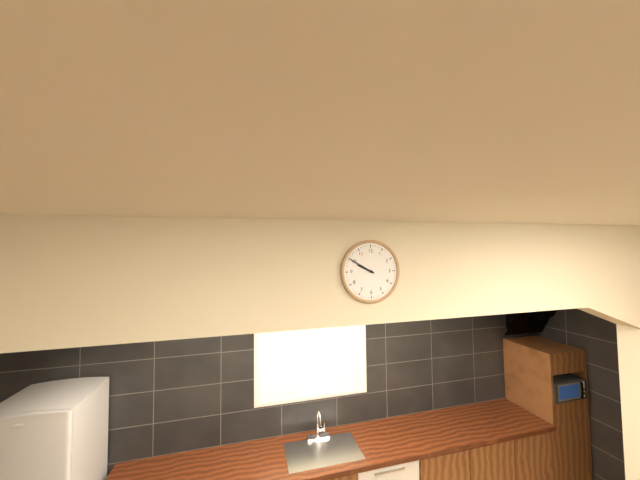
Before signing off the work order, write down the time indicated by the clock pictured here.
9:50
